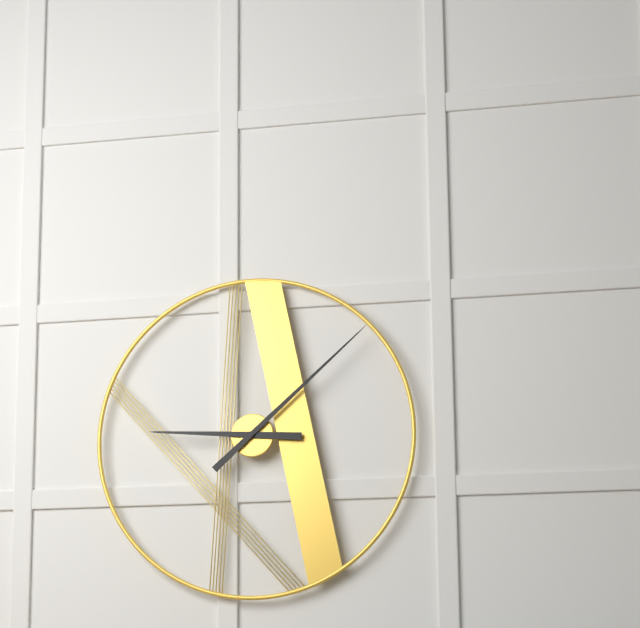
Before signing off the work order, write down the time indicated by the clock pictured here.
9:08
